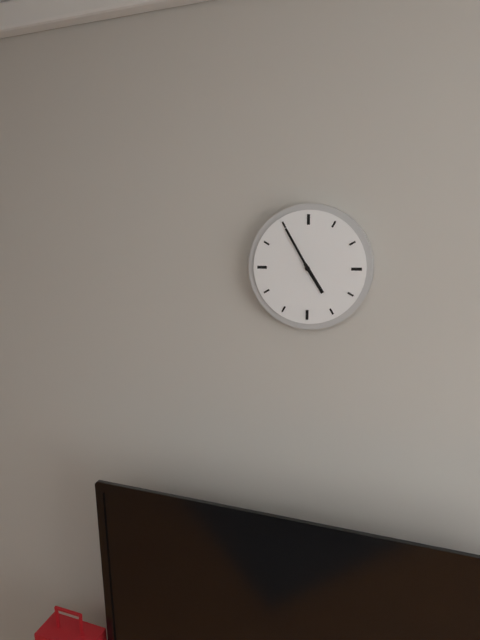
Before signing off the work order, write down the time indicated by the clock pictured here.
4:55
